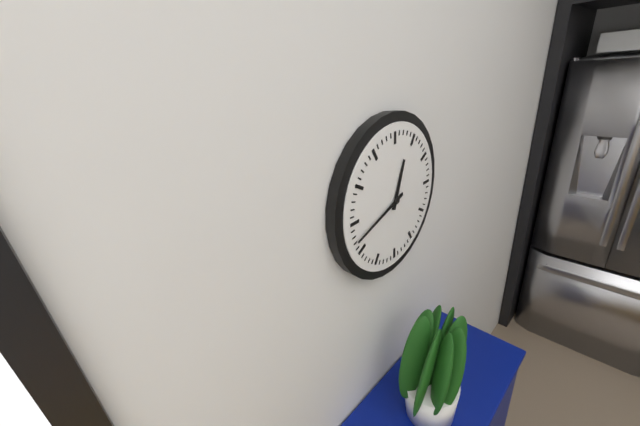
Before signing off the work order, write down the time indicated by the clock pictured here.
12:42
